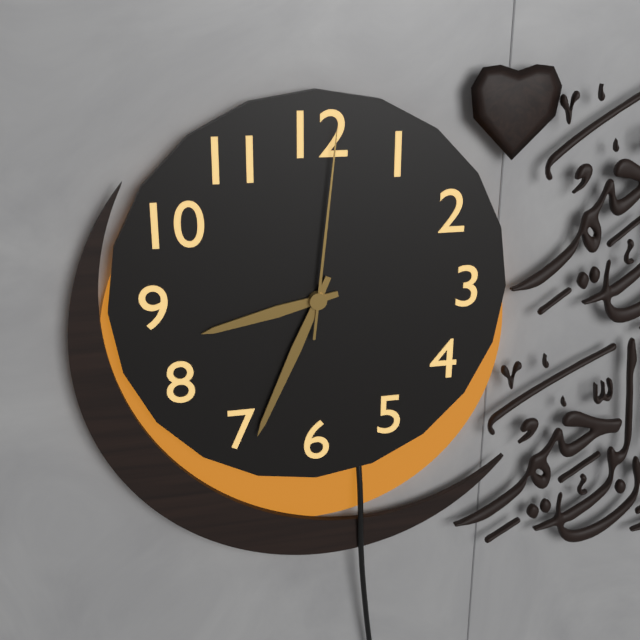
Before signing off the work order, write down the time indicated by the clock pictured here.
8:34:01
